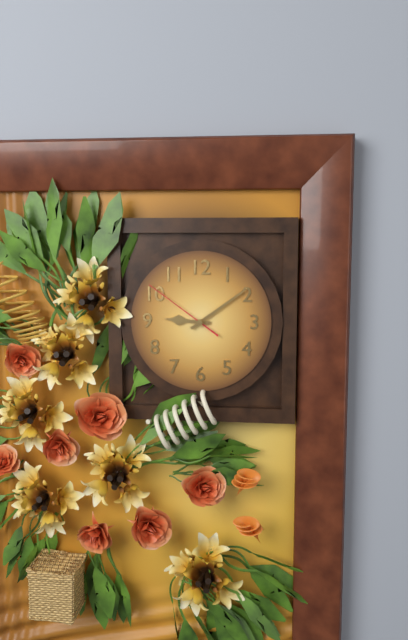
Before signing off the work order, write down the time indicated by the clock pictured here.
9:09:51
